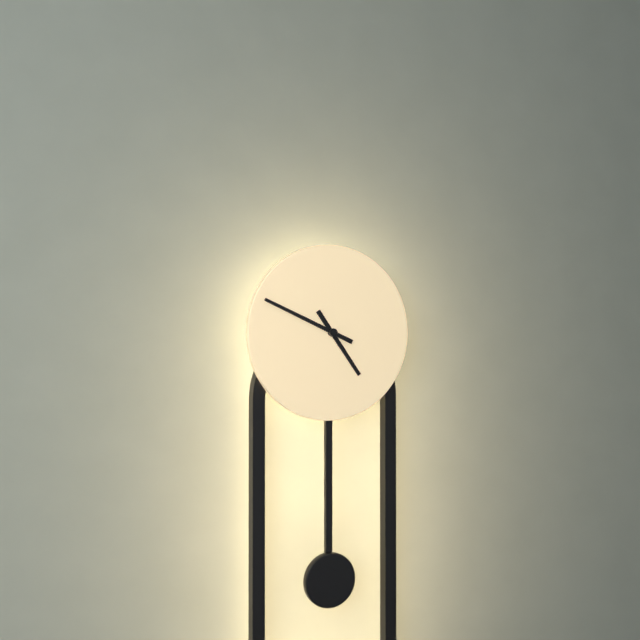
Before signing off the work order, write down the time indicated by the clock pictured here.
4:49
